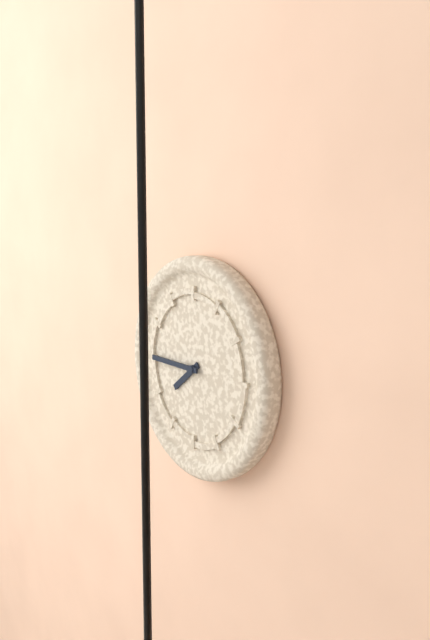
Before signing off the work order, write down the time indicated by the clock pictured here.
7:45
